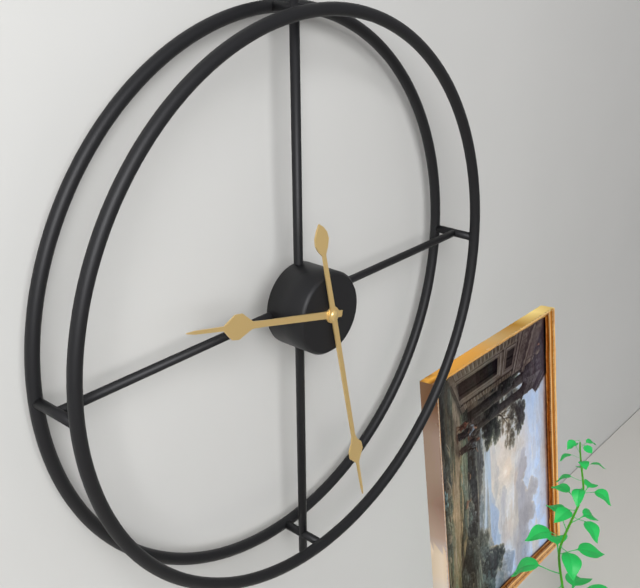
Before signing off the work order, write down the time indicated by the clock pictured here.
9:28
